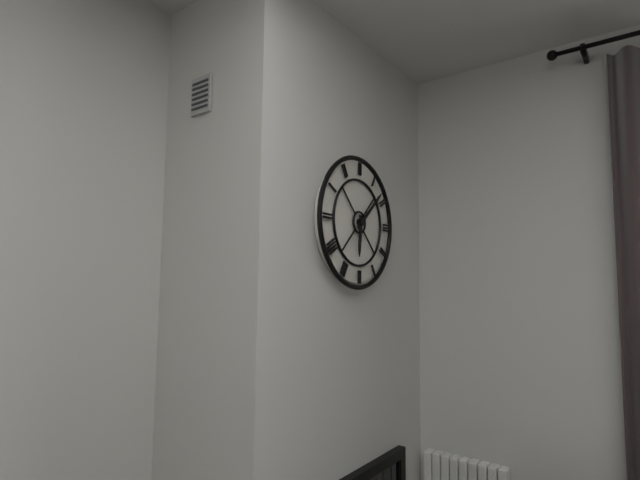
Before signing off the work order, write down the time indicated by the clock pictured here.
6:08
